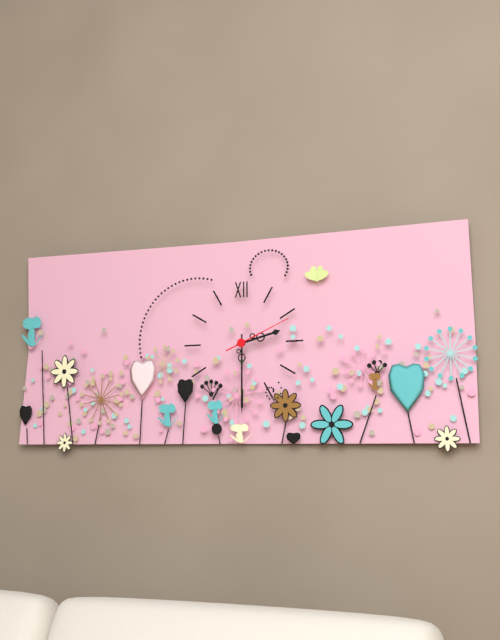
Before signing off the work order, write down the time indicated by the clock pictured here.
2:30:11
